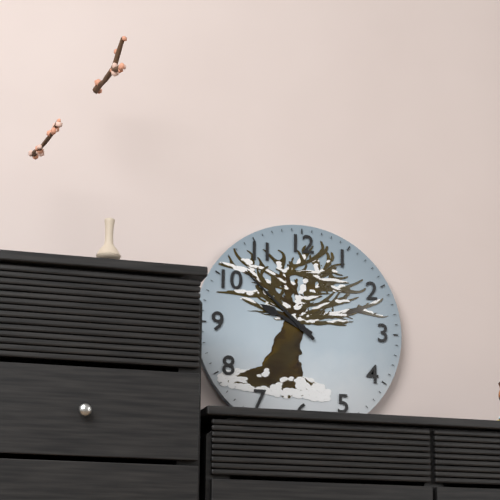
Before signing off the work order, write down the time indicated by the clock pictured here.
9:52
